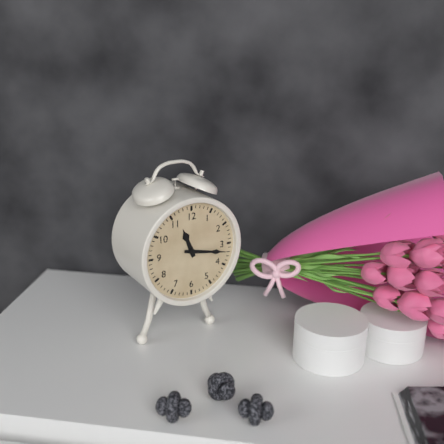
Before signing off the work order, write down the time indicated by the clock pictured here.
11:17
